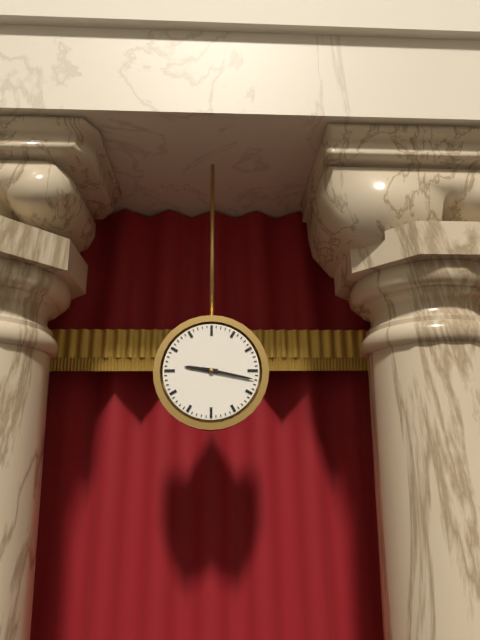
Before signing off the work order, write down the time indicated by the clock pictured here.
9:17
